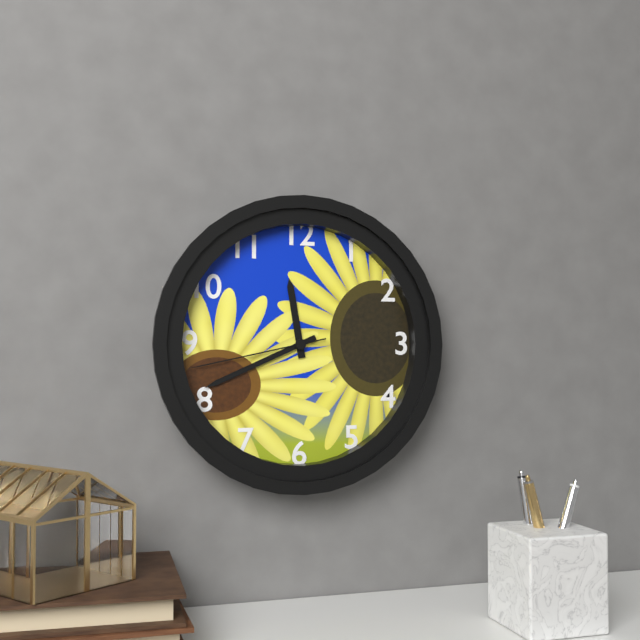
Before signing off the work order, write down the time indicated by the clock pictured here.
11:41:43
